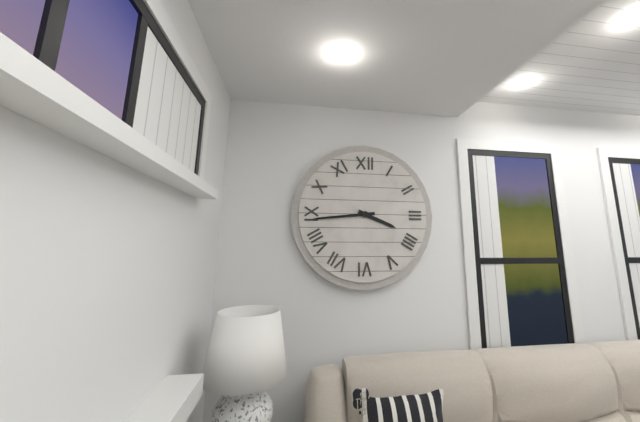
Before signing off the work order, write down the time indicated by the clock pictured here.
3:44
